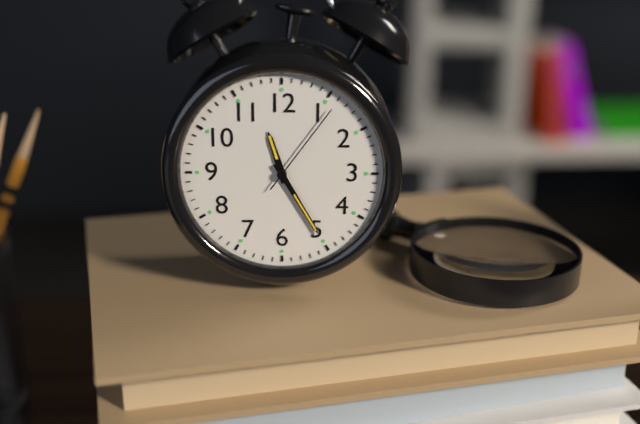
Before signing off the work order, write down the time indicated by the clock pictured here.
11:25:06
